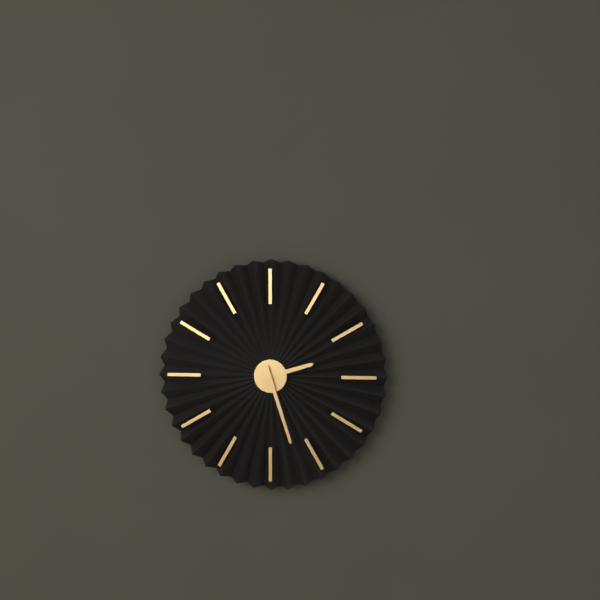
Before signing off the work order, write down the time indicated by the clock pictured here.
2:27
